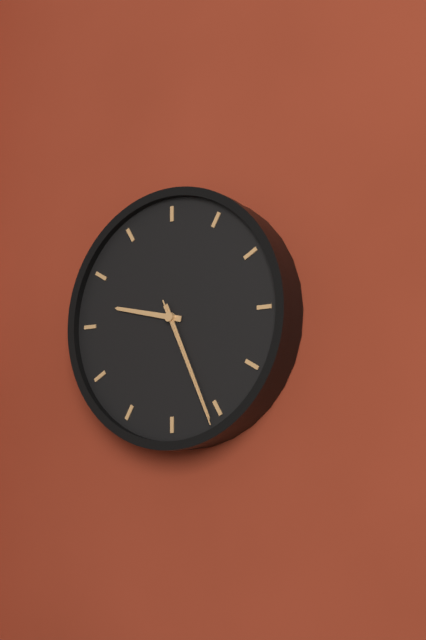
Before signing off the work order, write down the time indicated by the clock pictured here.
9:26:26
